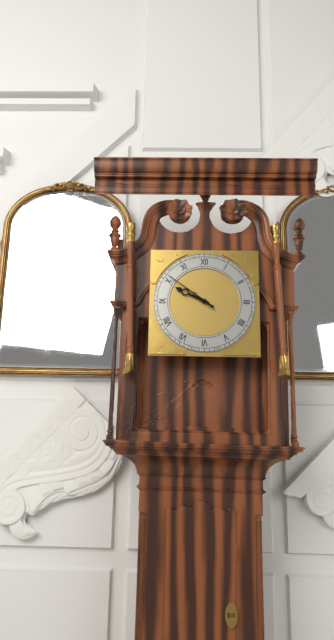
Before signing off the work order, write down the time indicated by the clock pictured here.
9:51
